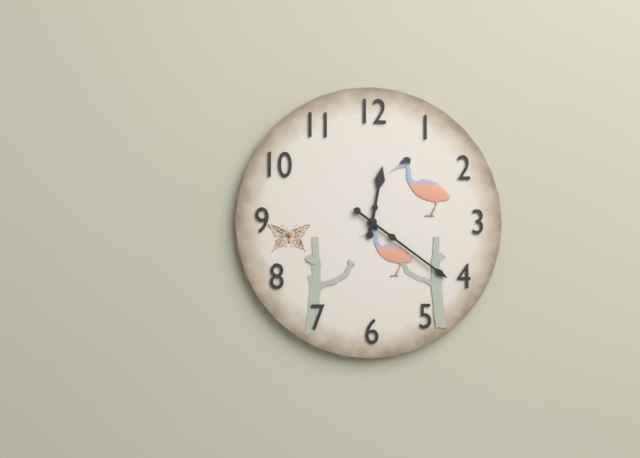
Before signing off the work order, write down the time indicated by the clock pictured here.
12:21
